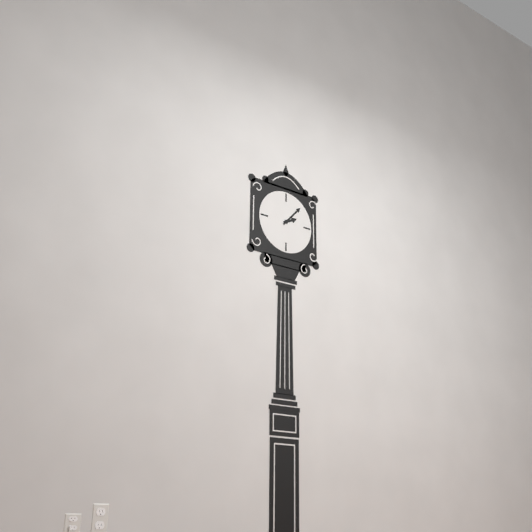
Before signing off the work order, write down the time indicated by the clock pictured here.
2:07
